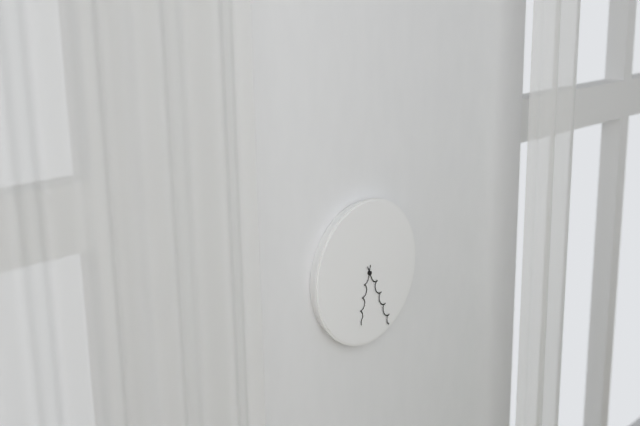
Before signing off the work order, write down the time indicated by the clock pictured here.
6:26
